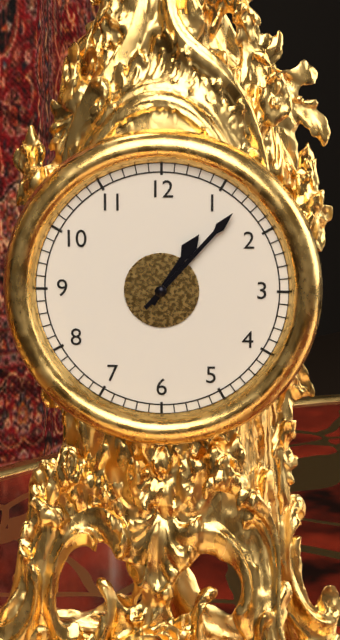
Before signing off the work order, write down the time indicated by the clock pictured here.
1:07
